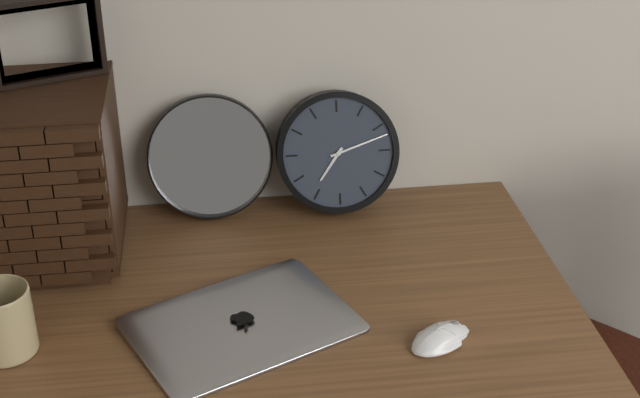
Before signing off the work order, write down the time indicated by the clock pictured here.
7:12
